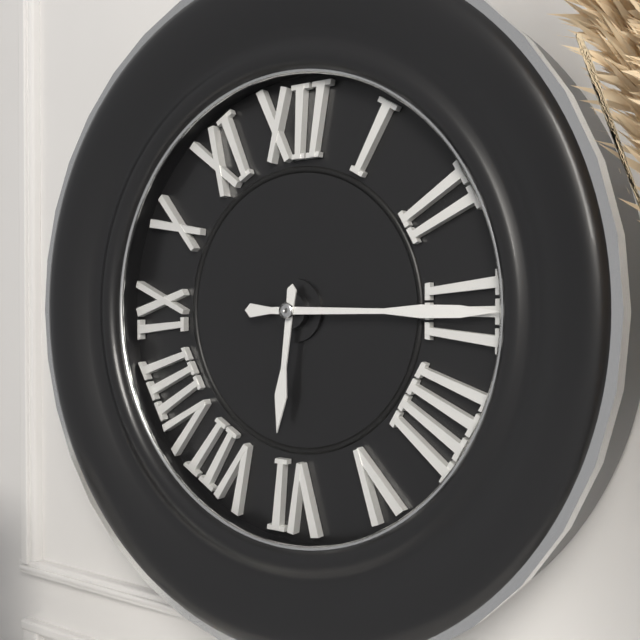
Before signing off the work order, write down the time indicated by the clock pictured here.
6:15
